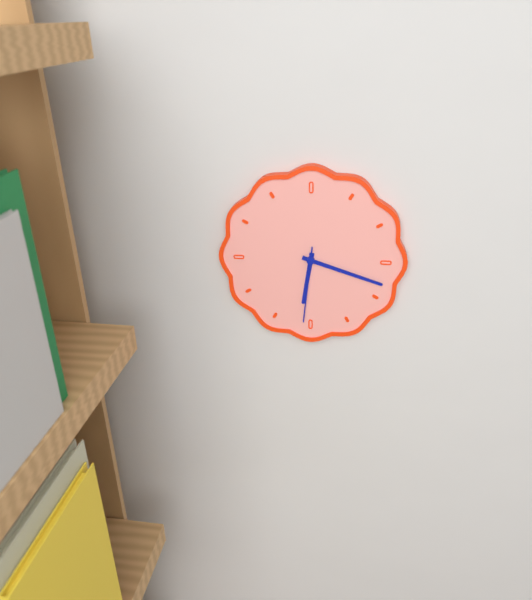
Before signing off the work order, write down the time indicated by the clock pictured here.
6:18:31
